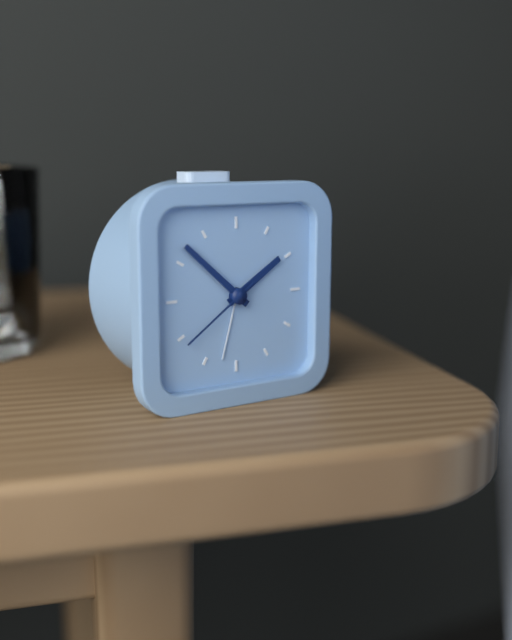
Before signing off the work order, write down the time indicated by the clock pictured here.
1:52:39
